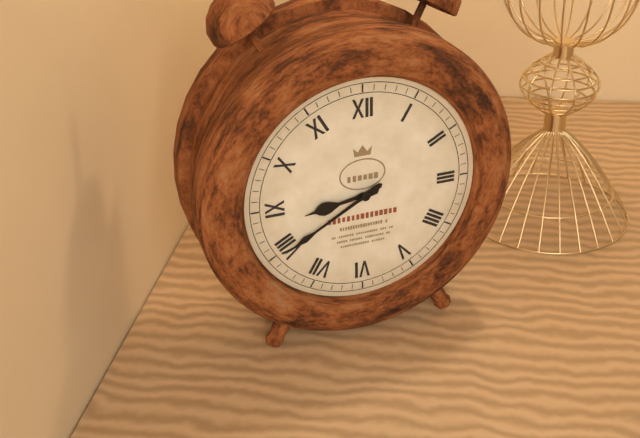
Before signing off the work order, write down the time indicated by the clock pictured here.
8:40
